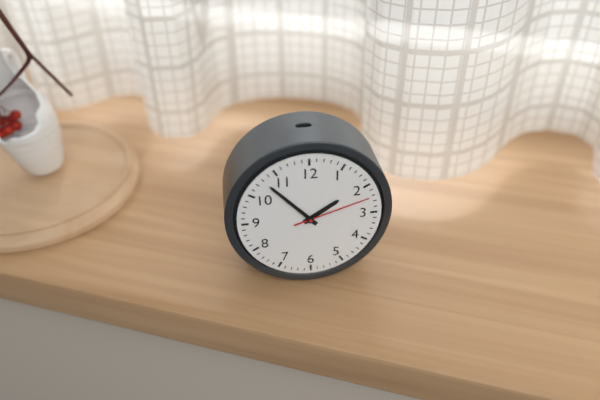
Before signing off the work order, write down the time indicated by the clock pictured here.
1:53:12
